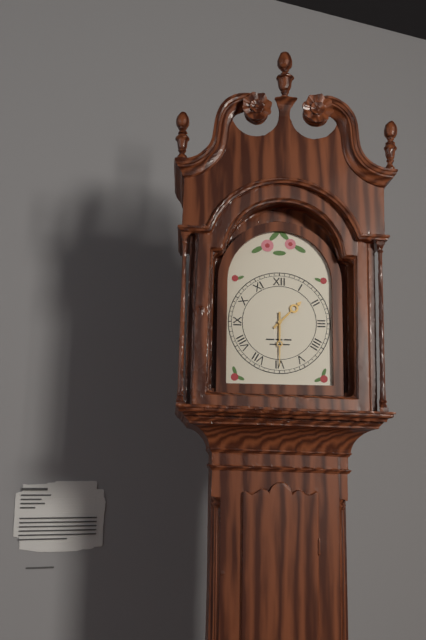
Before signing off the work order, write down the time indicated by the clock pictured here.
1:30
